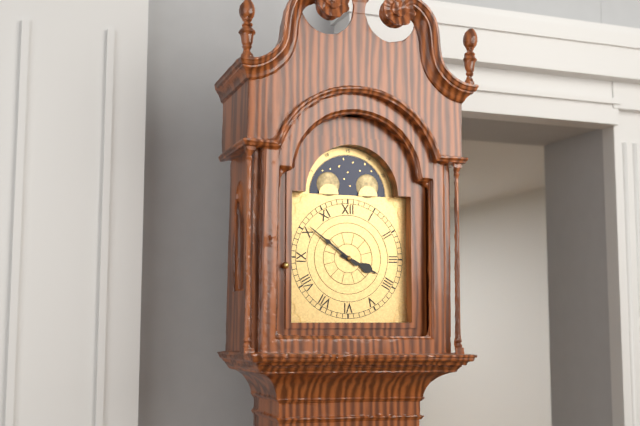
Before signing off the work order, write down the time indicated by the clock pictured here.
3:51
